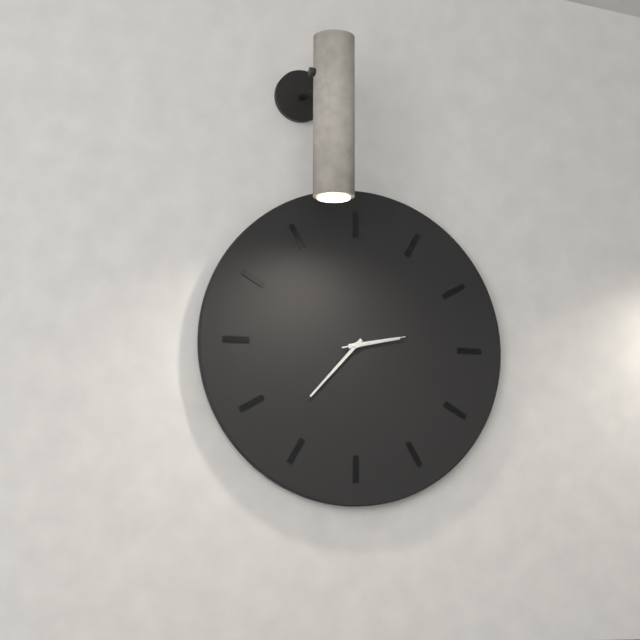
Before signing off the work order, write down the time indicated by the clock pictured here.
2:37:13
